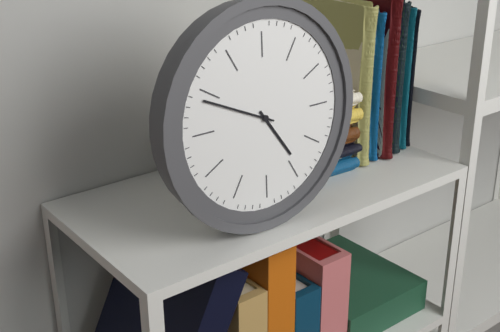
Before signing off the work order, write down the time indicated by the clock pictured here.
4:49
